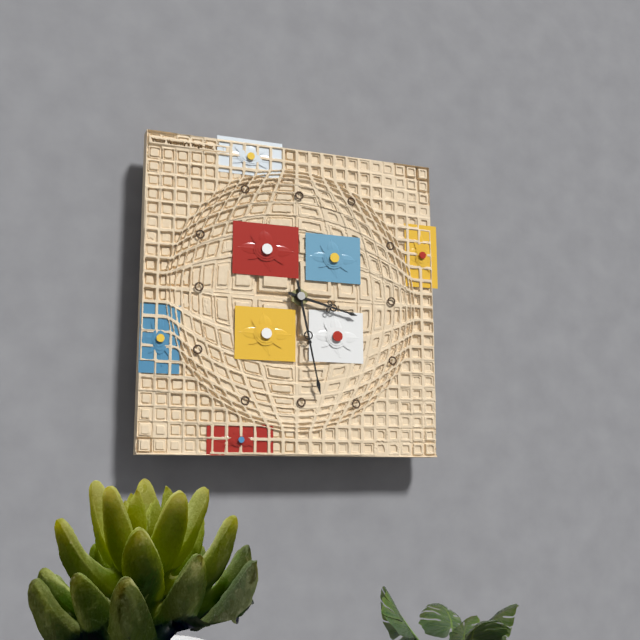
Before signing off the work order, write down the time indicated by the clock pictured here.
3:28
